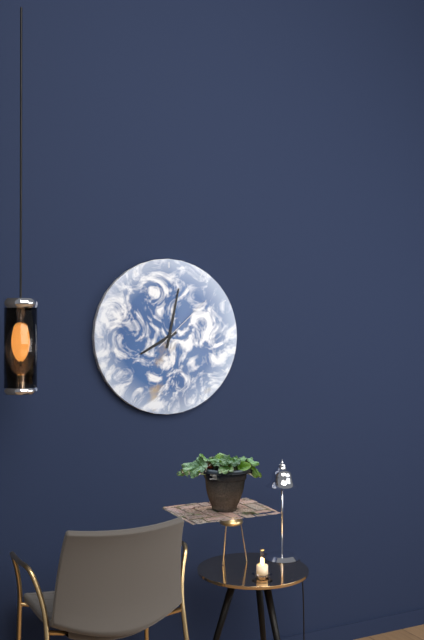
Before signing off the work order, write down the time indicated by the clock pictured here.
8:02:08
